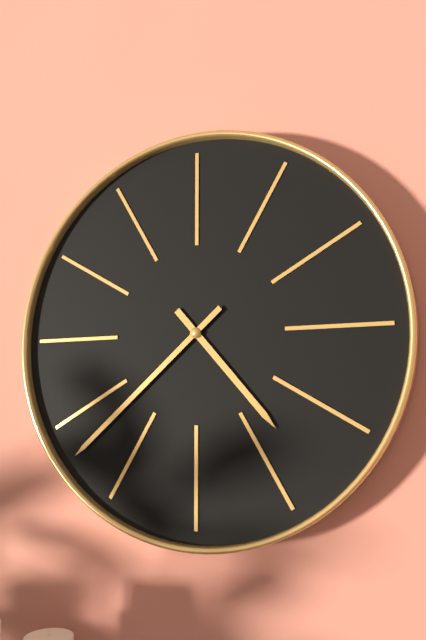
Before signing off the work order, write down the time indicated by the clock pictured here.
4:38
